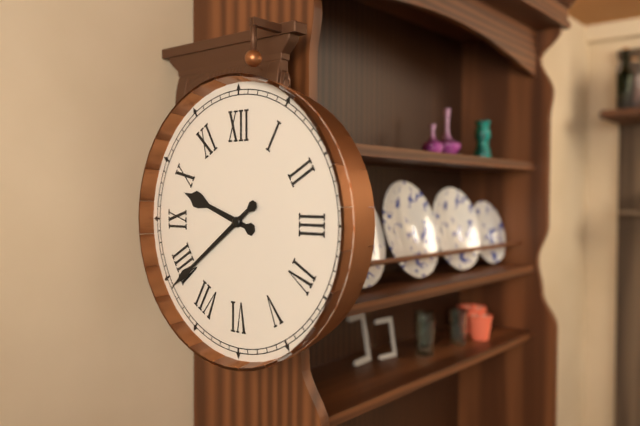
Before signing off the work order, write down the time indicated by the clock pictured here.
9:39
